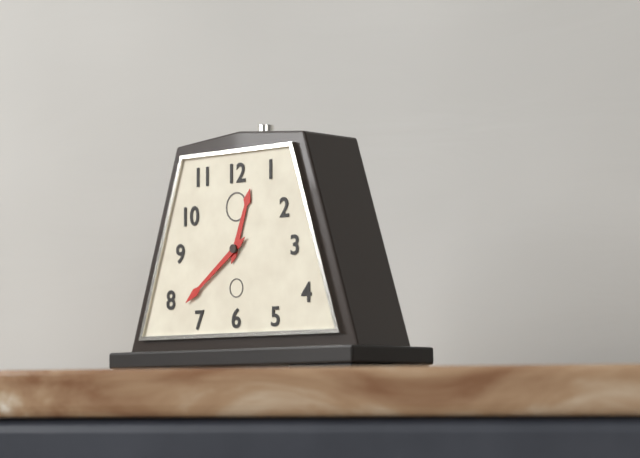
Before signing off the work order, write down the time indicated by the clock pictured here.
12:39
